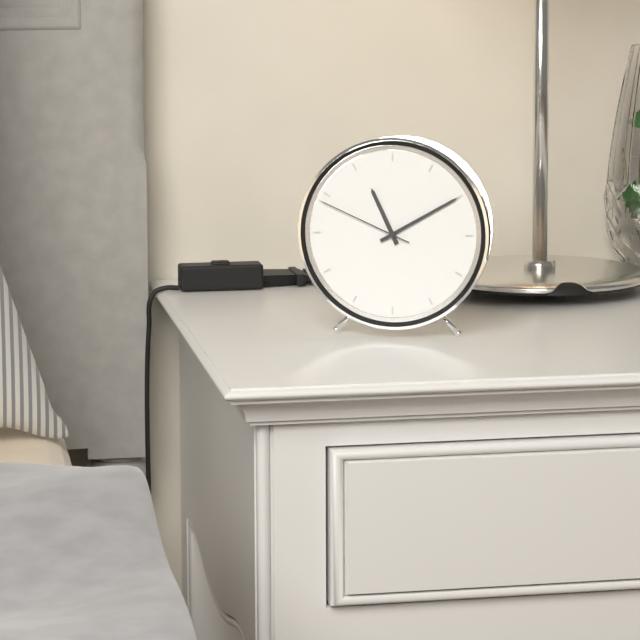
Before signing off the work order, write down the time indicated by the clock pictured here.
11:10:49
